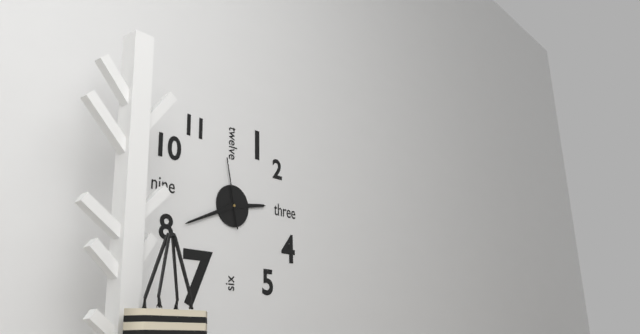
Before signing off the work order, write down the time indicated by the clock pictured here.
2:41:58
